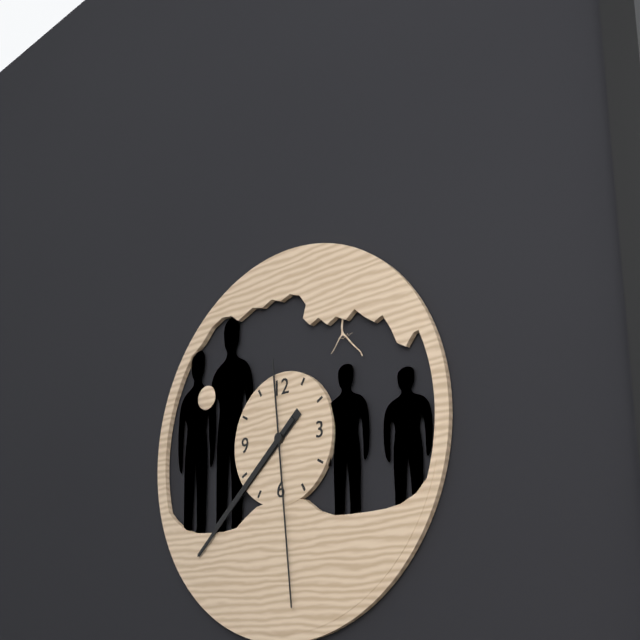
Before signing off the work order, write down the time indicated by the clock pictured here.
7:38:29
